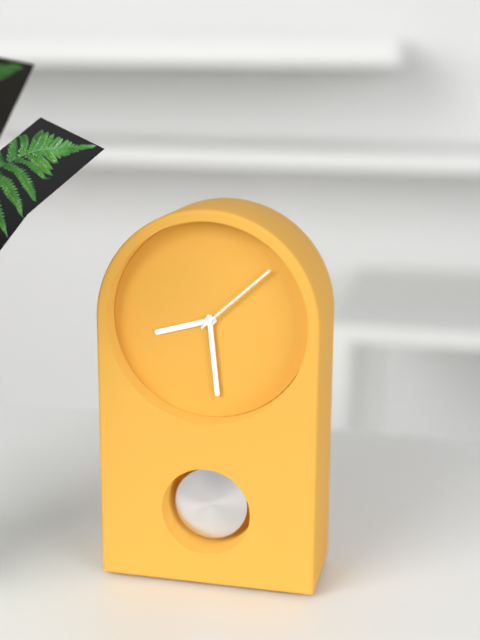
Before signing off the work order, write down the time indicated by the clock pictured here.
8:29:08
